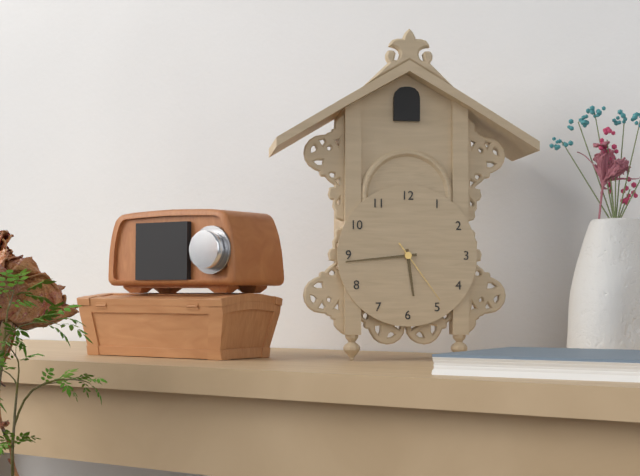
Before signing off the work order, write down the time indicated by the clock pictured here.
5:44:24
